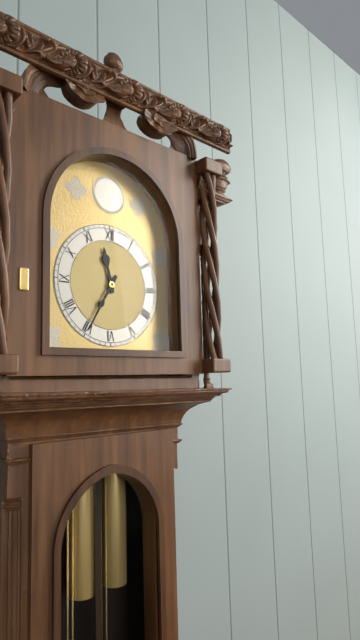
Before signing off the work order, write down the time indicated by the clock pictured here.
11:35
